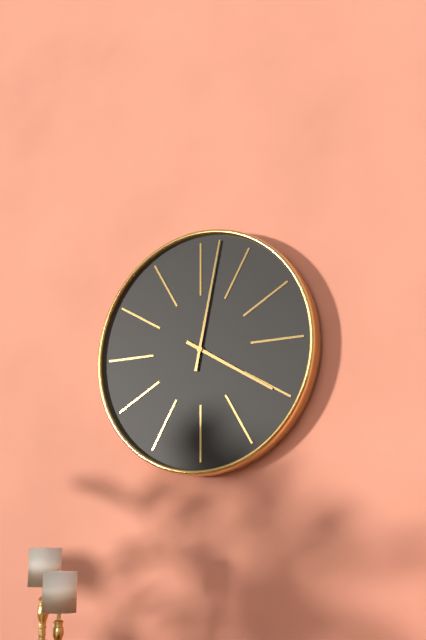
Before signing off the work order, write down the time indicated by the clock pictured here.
4:02
